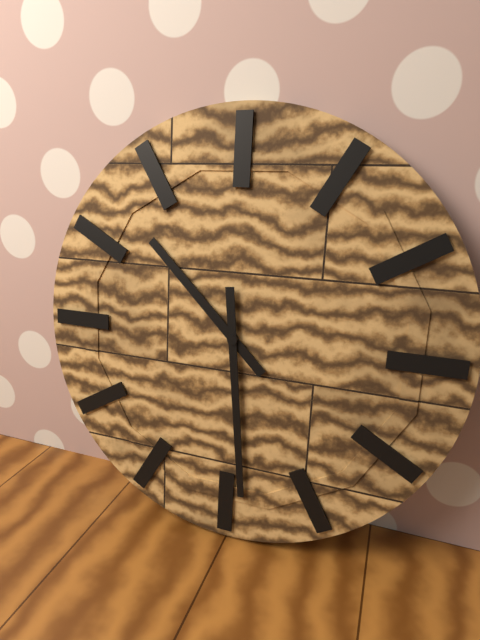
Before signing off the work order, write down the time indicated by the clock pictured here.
10:29
